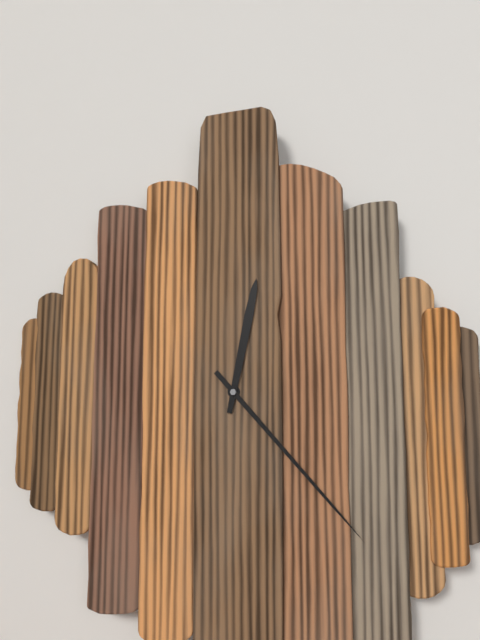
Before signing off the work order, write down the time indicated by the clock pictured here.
12:23
